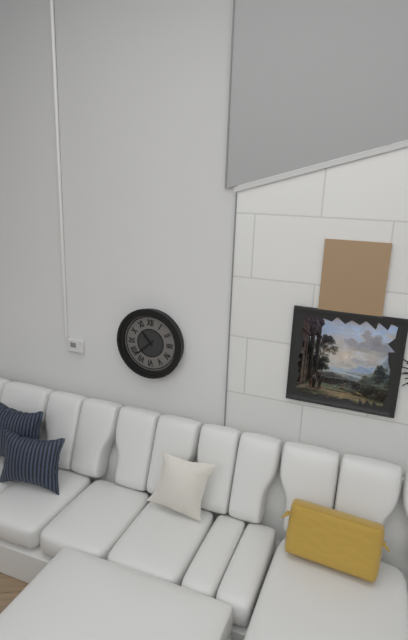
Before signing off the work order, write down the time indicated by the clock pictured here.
10:38
